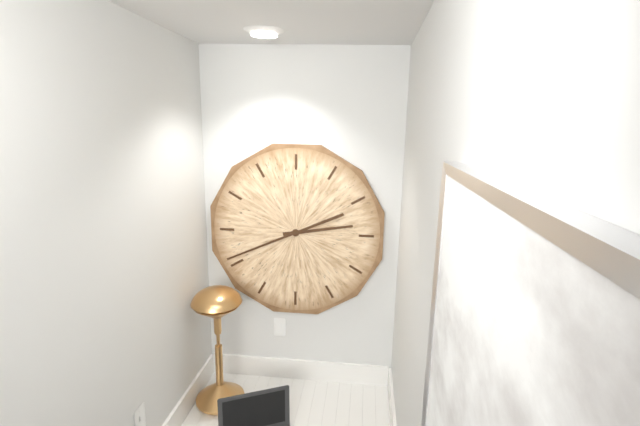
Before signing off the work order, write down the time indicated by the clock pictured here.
2:41
